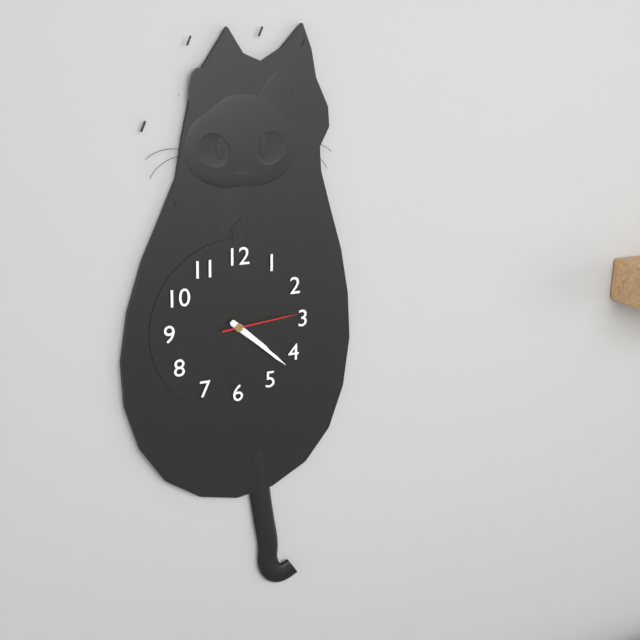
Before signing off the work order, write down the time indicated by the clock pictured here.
4:22:14
